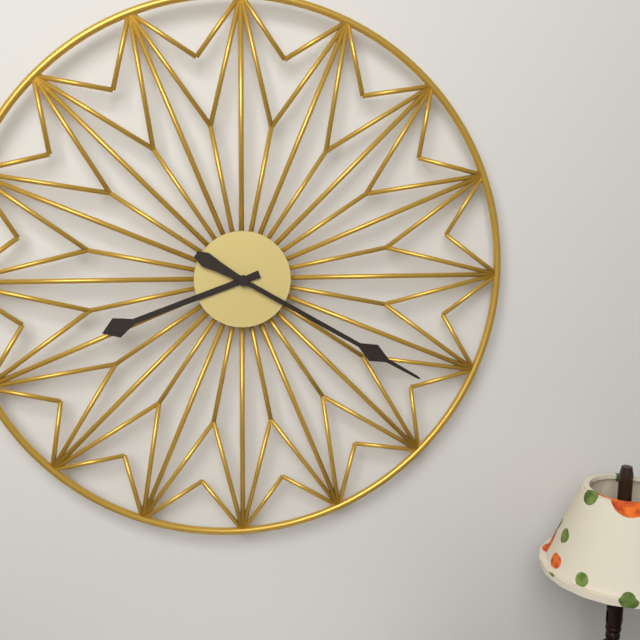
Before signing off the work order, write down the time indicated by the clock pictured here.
8:20
